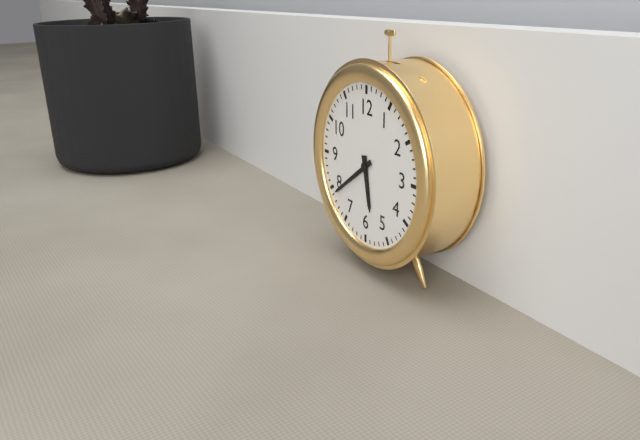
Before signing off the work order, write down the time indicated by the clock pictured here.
5:39
